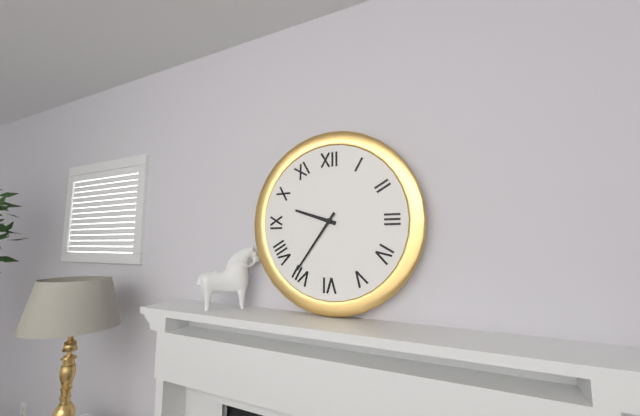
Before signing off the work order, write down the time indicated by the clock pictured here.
9:36
